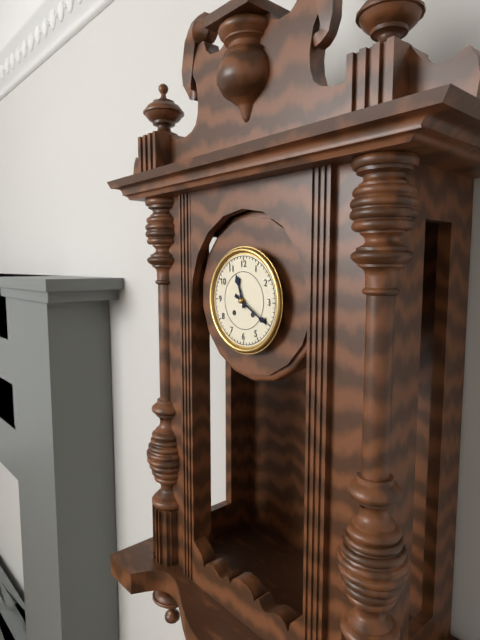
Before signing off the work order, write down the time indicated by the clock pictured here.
11:20
